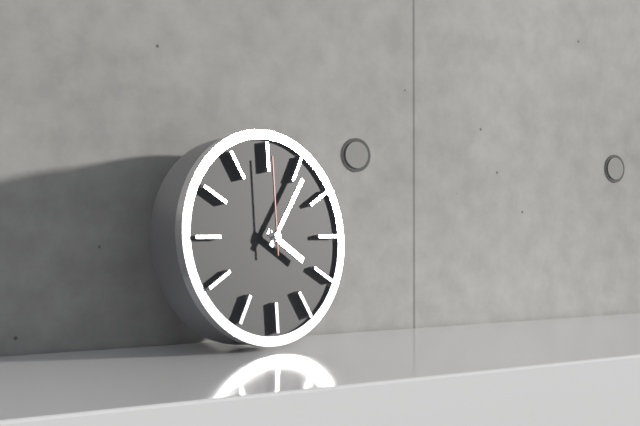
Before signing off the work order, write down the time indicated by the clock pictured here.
4:06:00
